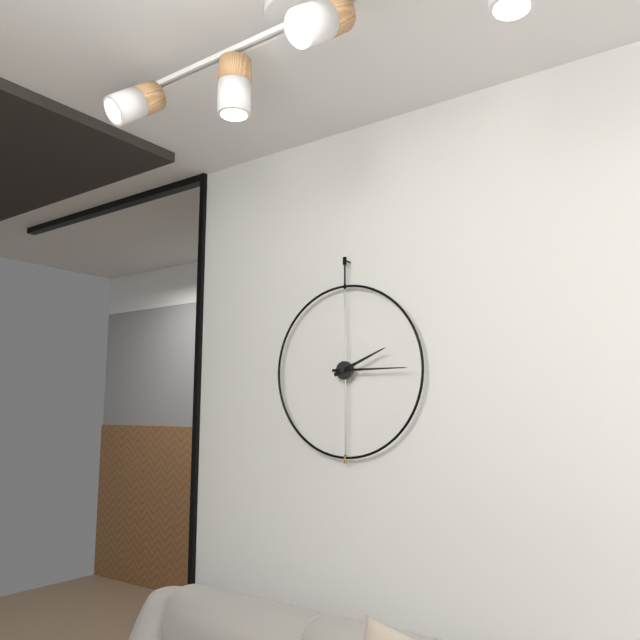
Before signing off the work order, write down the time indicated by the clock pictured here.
2:15
